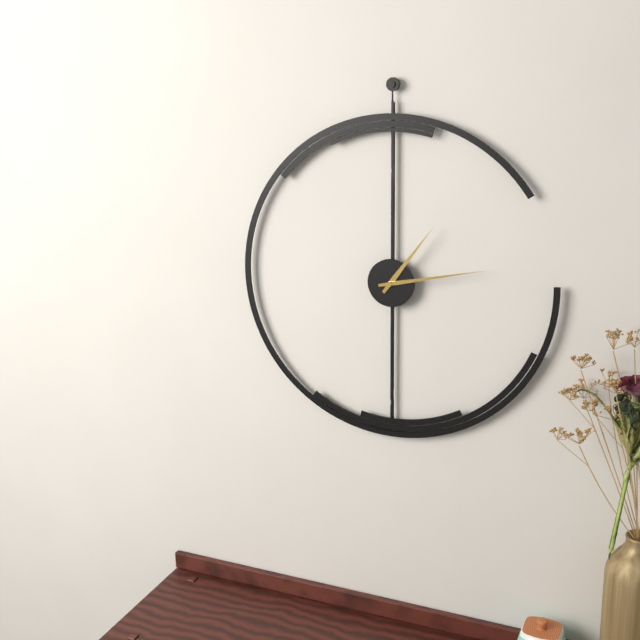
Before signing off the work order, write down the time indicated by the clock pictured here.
1:13
